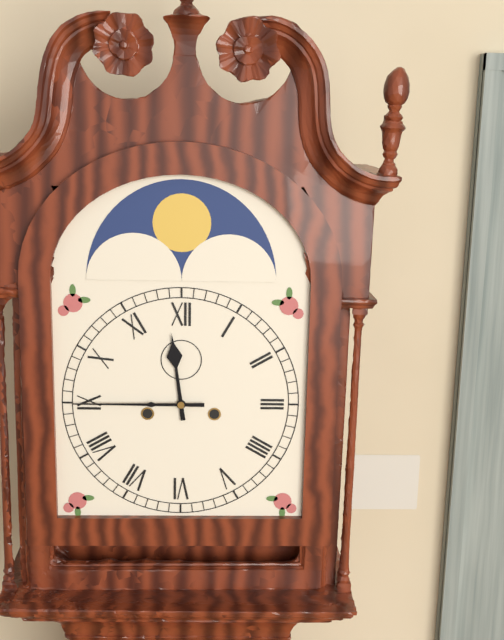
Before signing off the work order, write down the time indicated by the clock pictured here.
11:45
